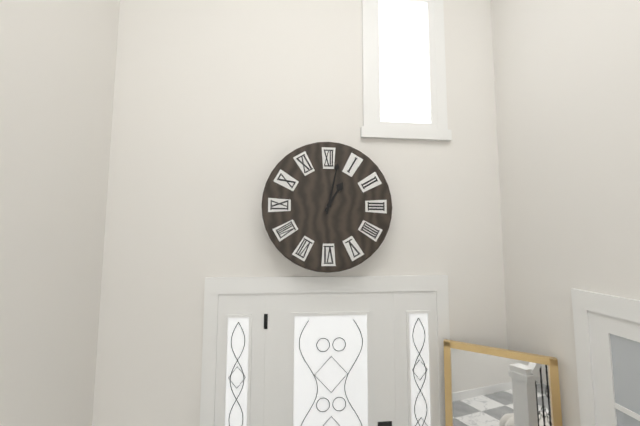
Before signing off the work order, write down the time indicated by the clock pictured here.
1:02
